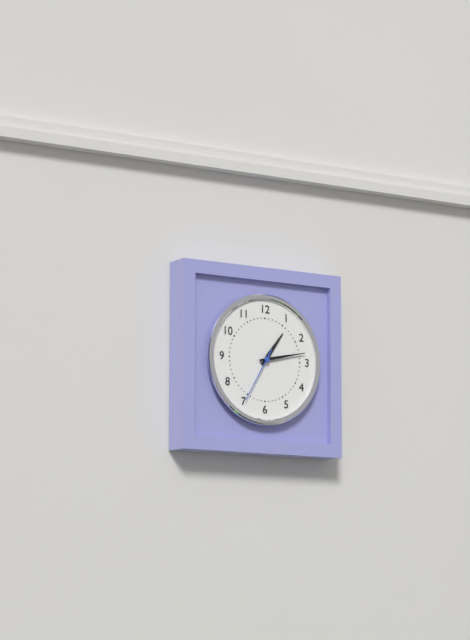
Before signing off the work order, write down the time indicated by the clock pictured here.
1:13:35
